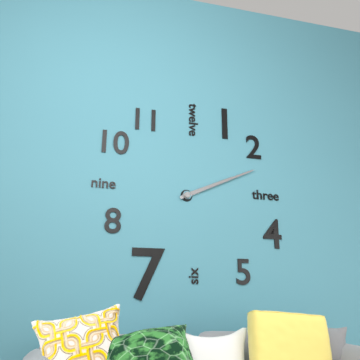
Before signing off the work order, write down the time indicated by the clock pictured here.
2:11
